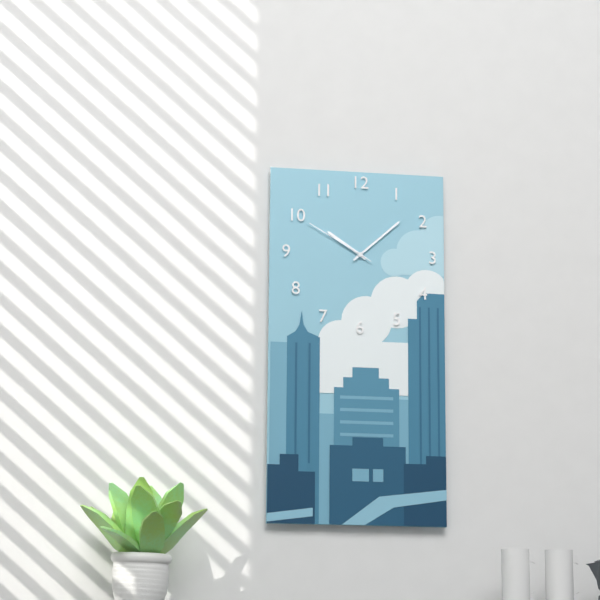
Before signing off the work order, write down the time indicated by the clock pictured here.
10:08:50
